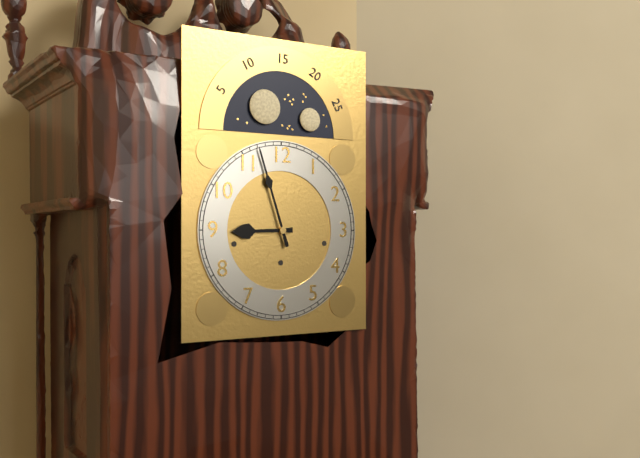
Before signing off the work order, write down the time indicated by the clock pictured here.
8:57
